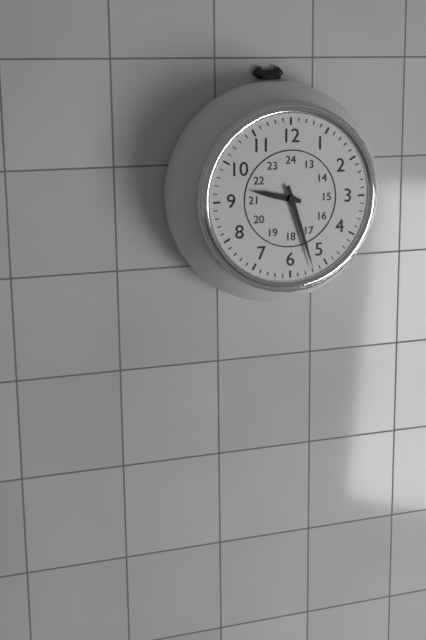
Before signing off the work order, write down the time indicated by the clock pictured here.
9:27
